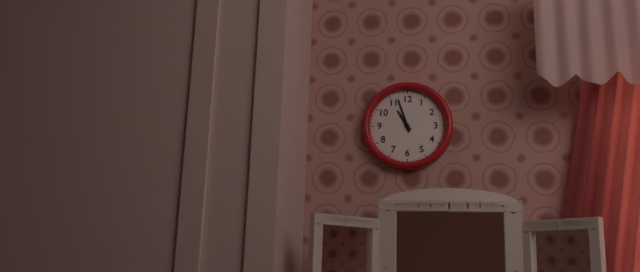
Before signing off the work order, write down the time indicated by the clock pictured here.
10:57
